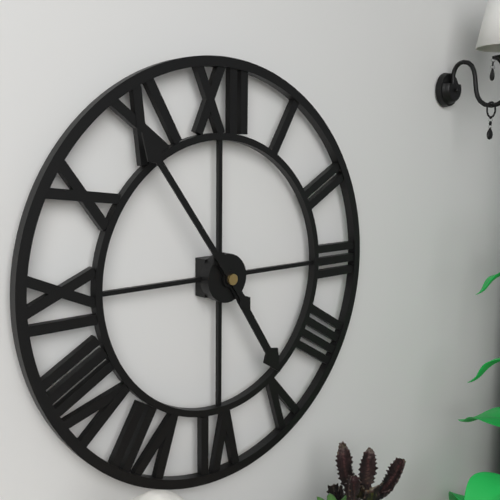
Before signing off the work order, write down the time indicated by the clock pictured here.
4:54
